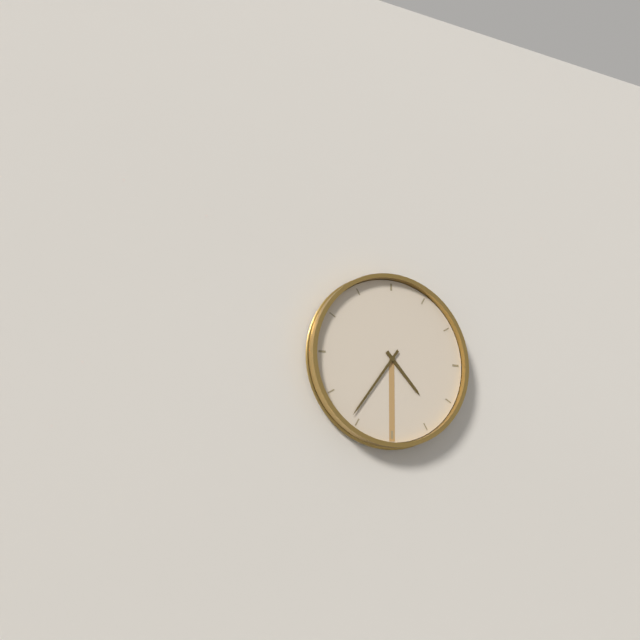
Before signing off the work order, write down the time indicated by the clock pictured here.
4:36
